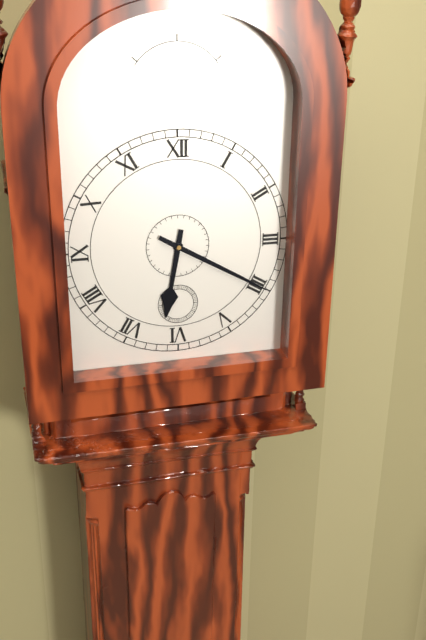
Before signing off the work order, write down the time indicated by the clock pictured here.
6:20
